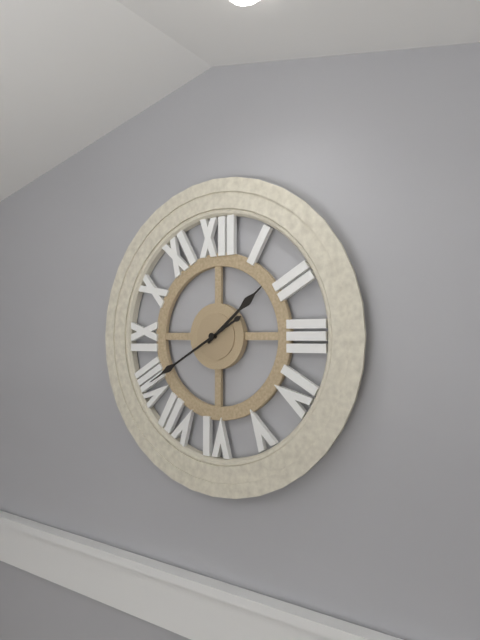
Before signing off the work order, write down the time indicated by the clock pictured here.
1:40
